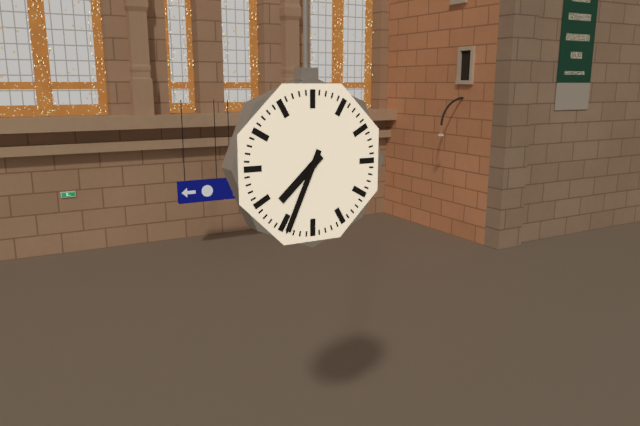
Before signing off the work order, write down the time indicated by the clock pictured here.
7:34
